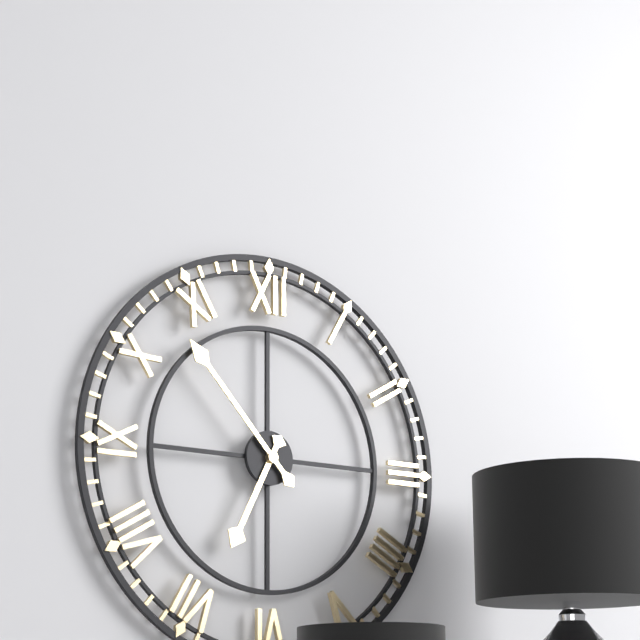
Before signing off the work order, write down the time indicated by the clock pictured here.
6:53
